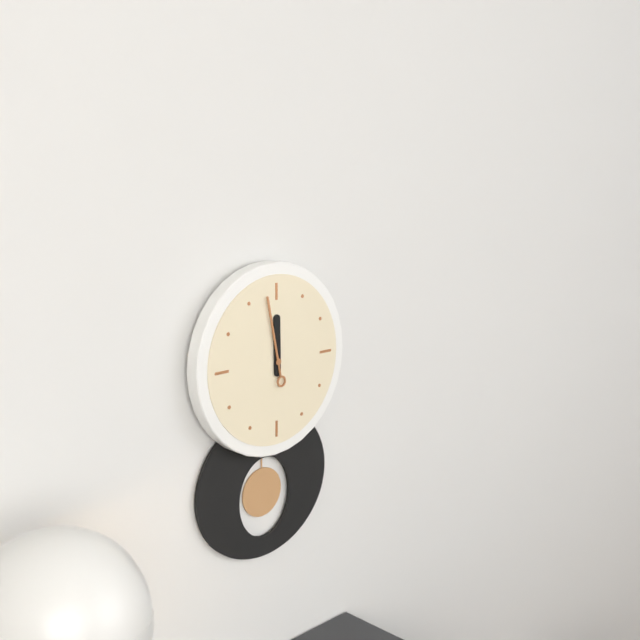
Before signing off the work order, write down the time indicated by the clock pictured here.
11:58
